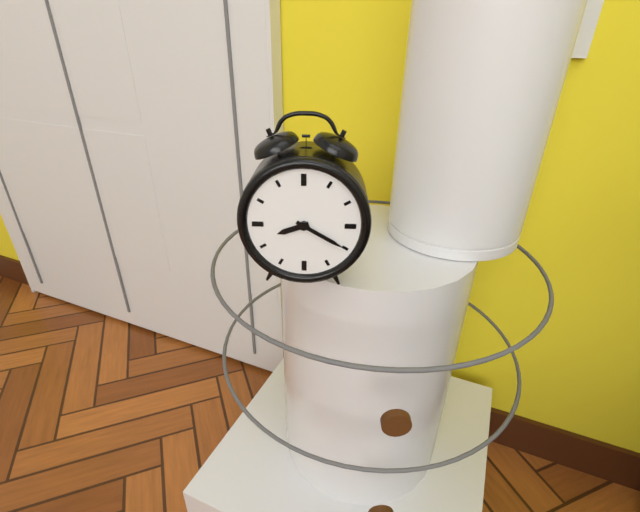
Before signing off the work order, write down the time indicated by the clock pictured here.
8:20
